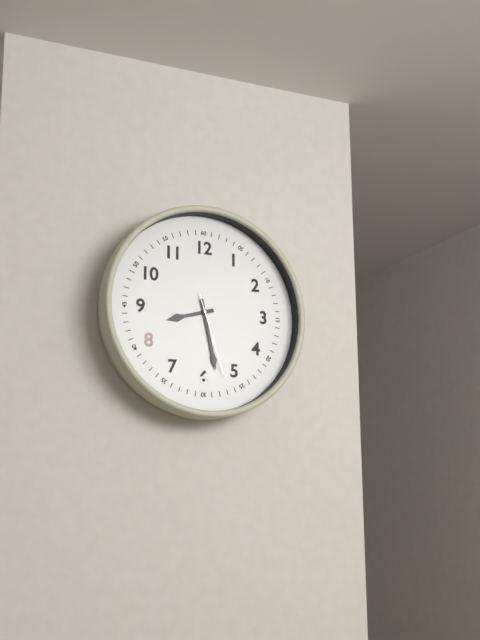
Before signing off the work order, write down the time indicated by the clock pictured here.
8:28:27
